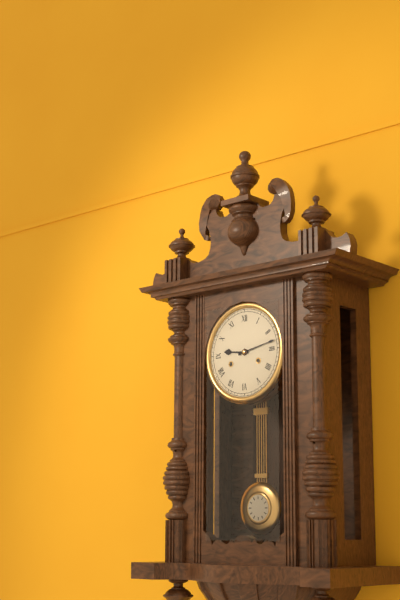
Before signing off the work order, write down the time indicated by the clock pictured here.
9:13
